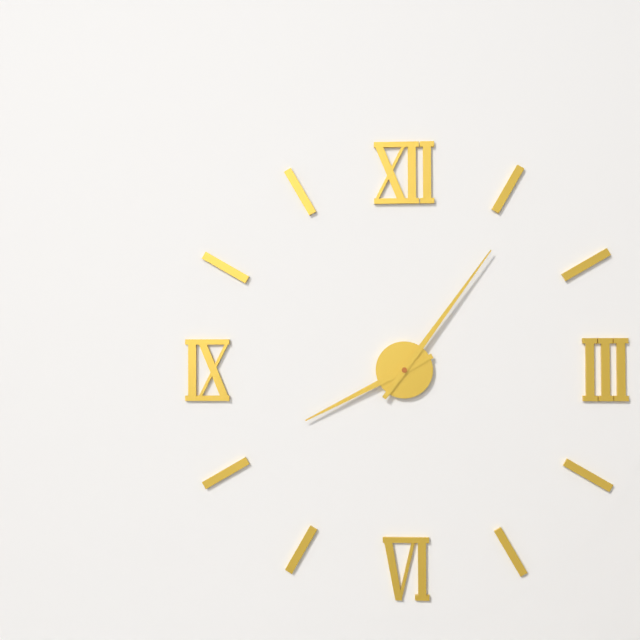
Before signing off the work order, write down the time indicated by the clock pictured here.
8:06
